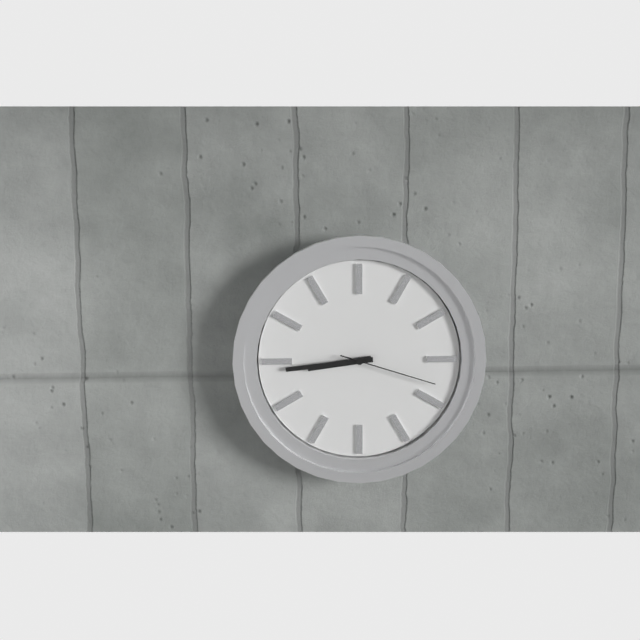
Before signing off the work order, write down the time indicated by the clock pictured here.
8:44:18
